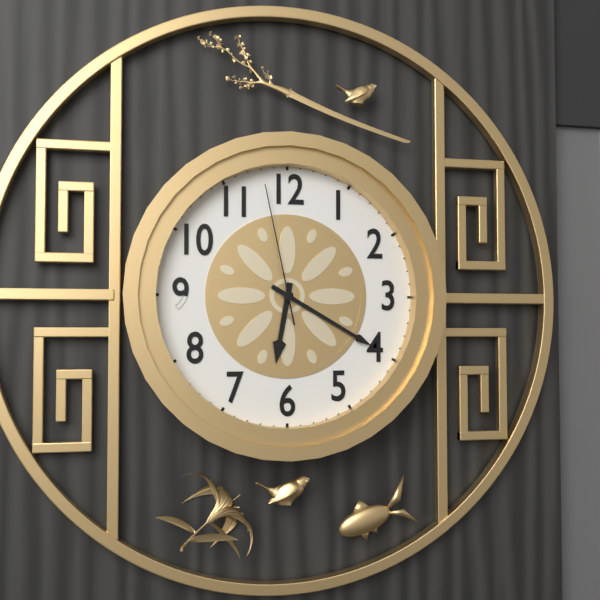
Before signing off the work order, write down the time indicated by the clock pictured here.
6:20:58
